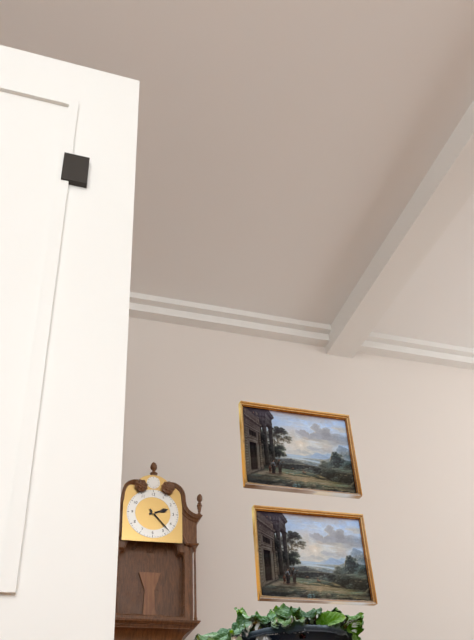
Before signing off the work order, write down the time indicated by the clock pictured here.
2:23
